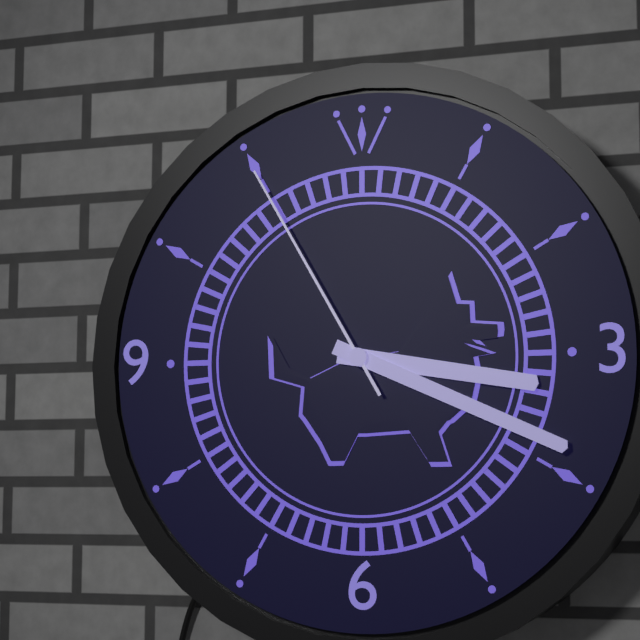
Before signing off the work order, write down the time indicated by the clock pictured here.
3:19:55
